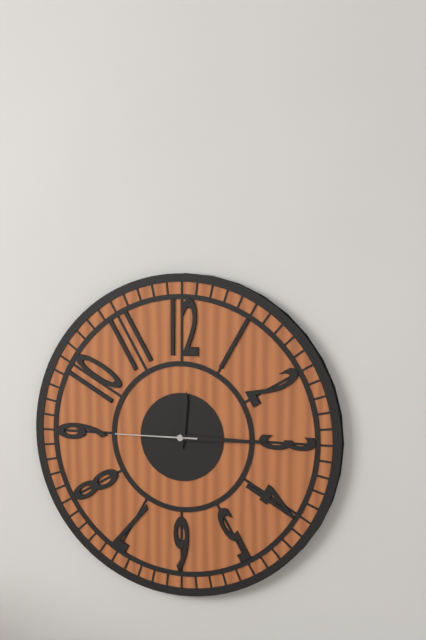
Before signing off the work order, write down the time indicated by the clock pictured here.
12:15:45
